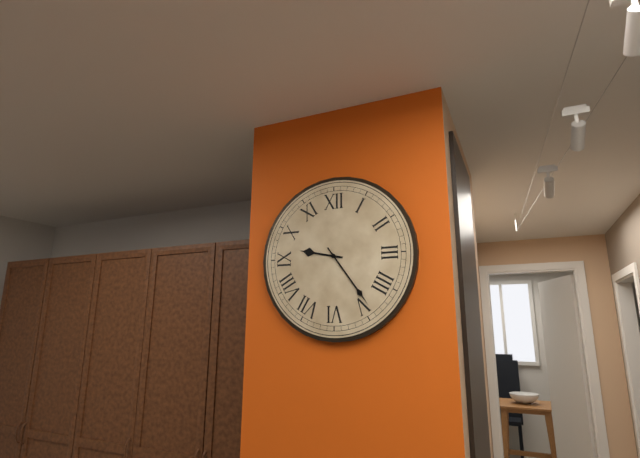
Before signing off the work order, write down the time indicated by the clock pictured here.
9:24
